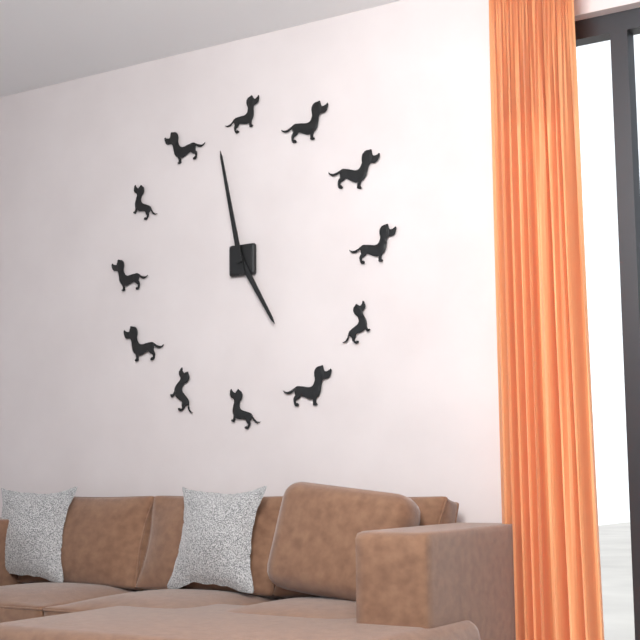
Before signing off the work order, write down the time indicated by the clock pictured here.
4:58
